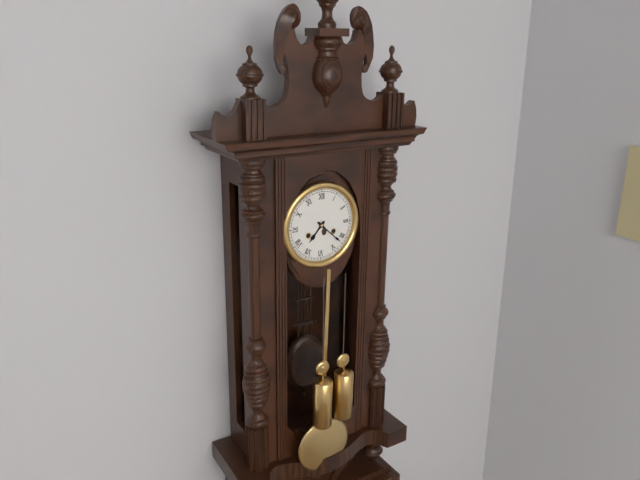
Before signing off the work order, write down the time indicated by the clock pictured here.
7:22
